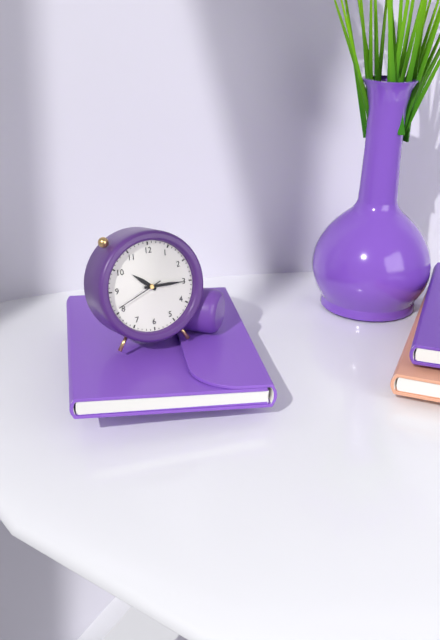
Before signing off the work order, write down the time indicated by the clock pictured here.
10:15
